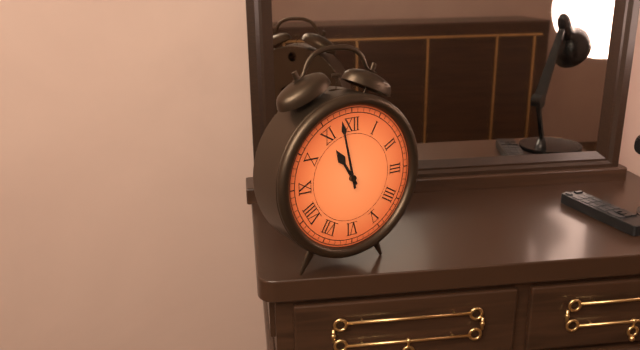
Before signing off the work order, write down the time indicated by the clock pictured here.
10:58
